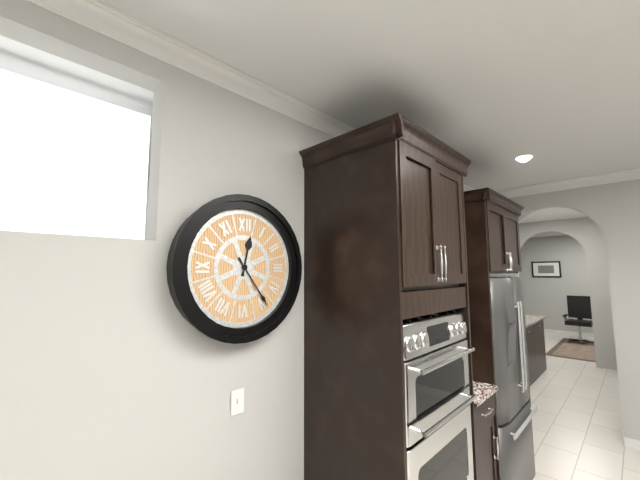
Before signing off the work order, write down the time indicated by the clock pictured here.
12:24
